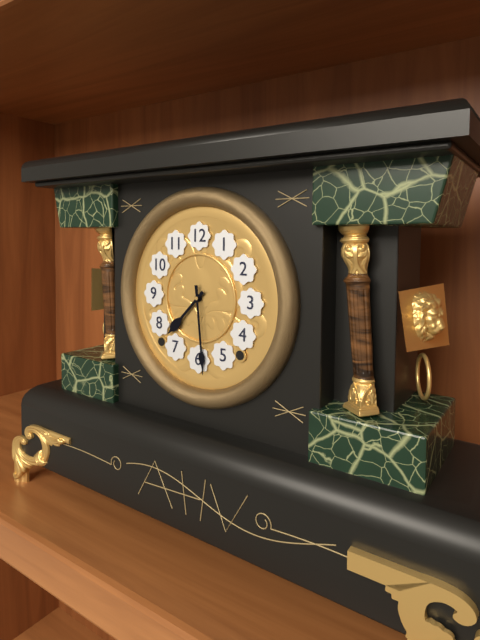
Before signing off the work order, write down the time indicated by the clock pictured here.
7:29
